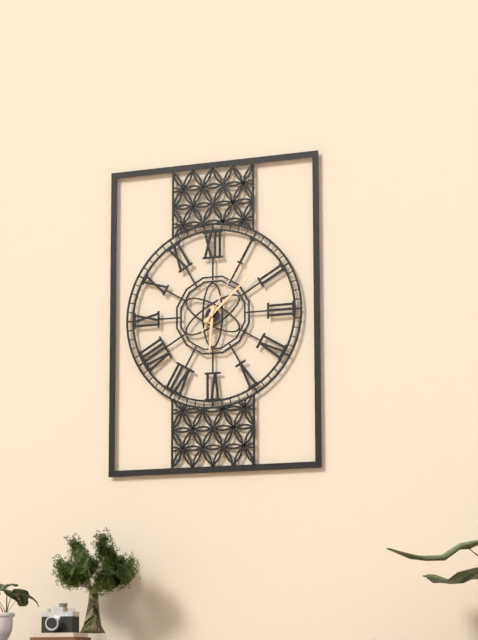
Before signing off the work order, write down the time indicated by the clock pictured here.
6:08:05
